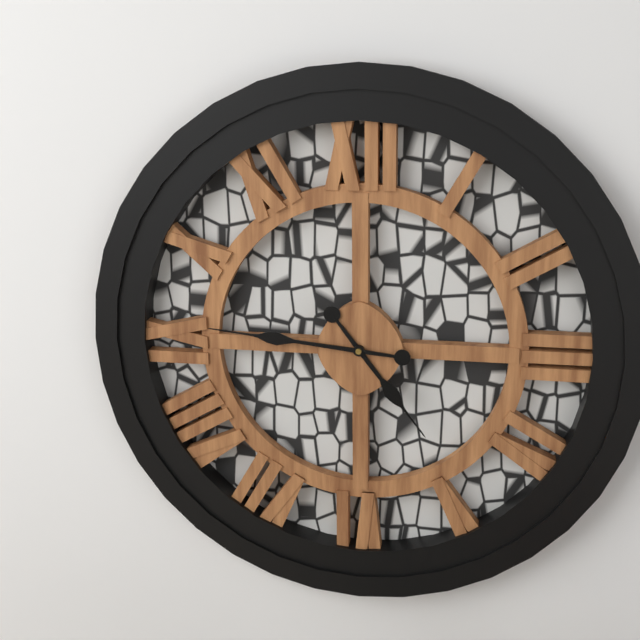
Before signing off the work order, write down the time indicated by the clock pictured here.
4:46
